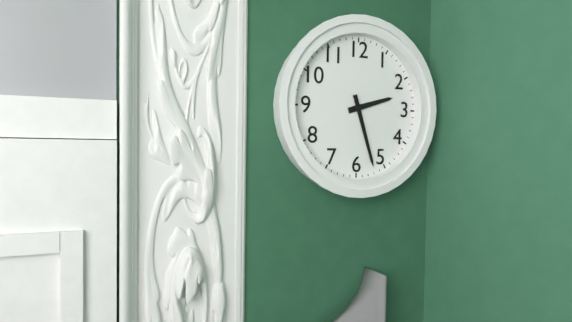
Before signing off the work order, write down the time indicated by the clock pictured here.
2:27
